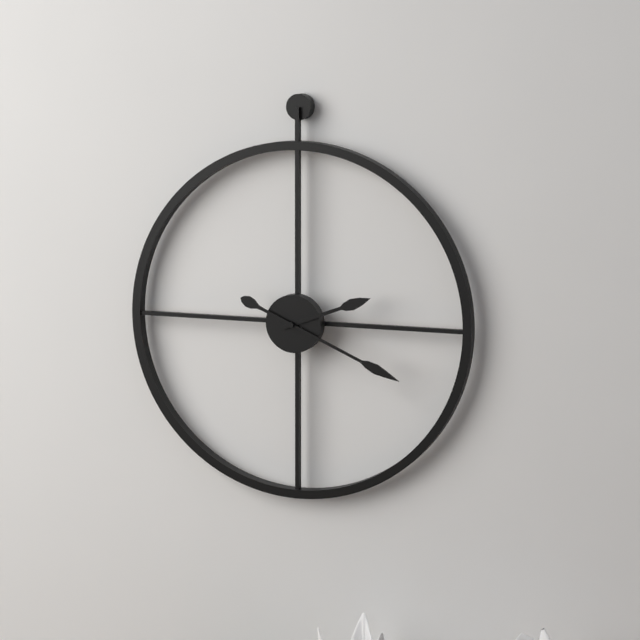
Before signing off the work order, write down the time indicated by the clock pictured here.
2:19
